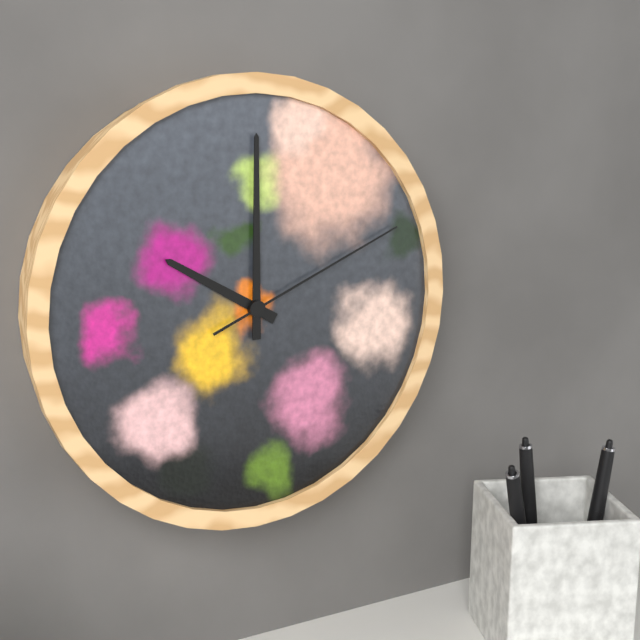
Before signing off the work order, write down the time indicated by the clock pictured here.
10:00:11
